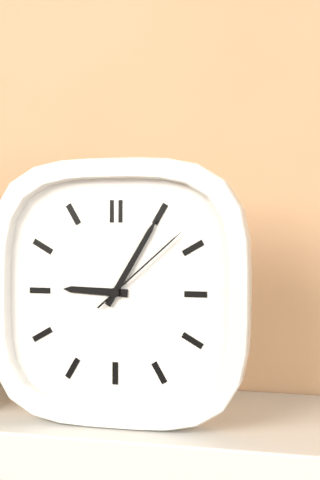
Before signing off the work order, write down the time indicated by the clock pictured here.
9:05:08
